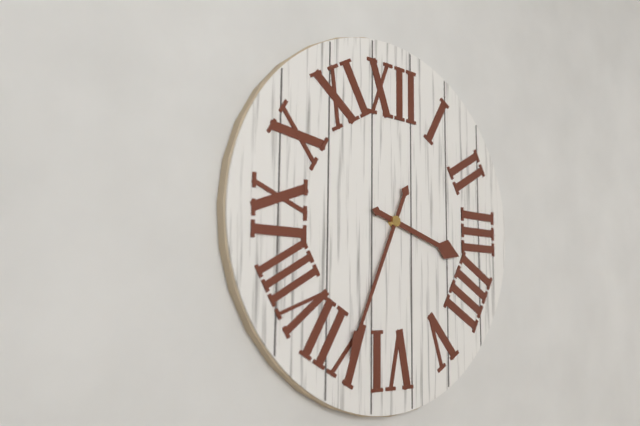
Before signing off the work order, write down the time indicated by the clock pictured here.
3:34
